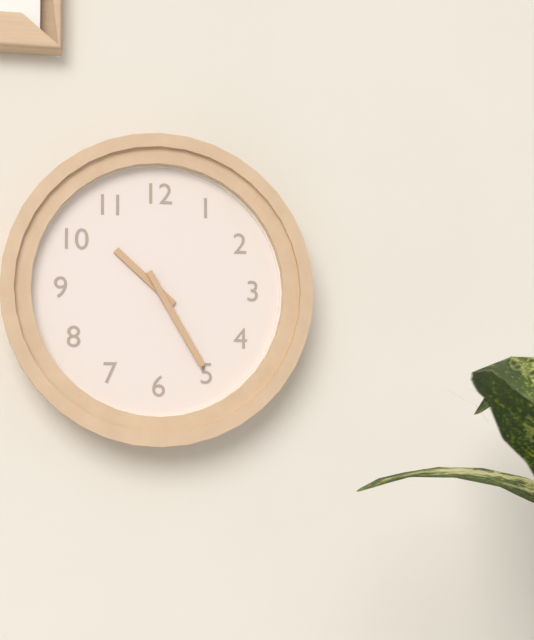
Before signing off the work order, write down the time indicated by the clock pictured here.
10:25
